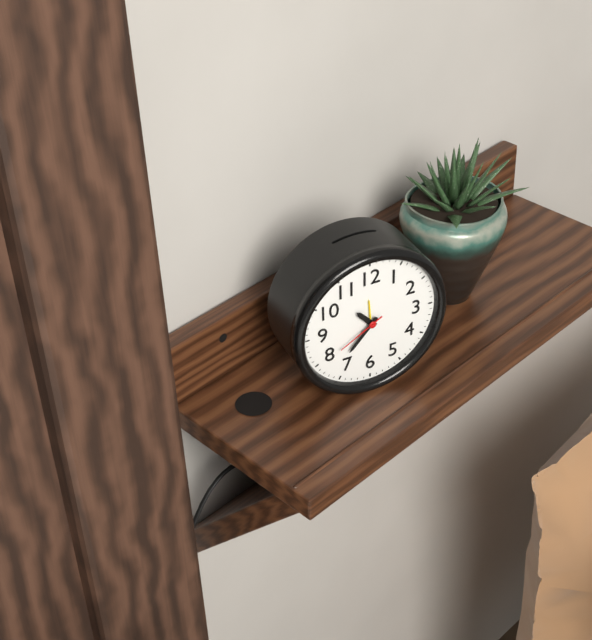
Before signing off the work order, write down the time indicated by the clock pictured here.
10:37:40
